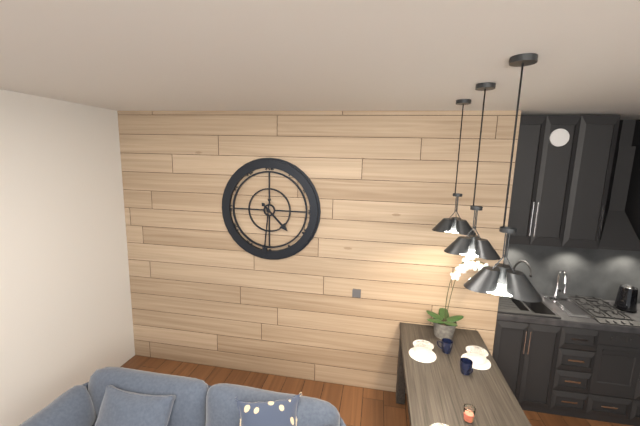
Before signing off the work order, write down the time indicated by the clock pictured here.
4:31
